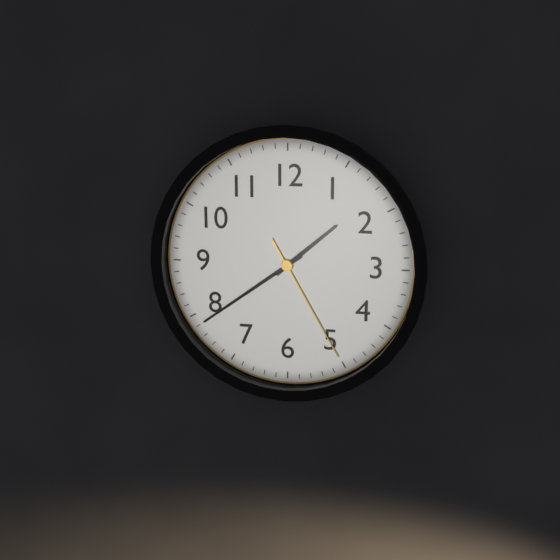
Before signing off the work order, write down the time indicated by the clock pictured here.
1:39:25
